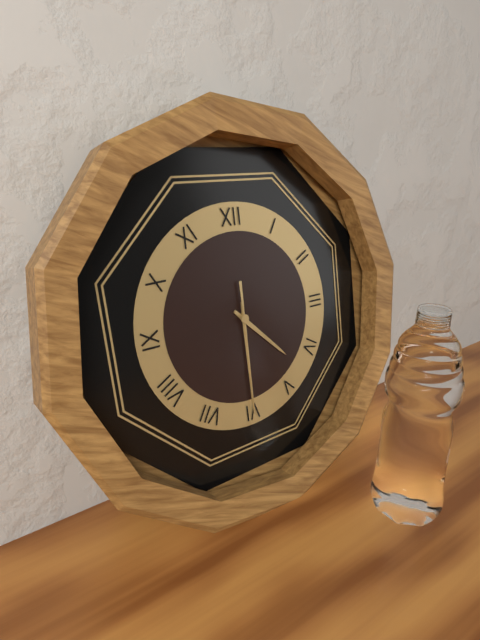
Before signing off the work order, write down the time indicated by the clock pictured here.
4:30:30
